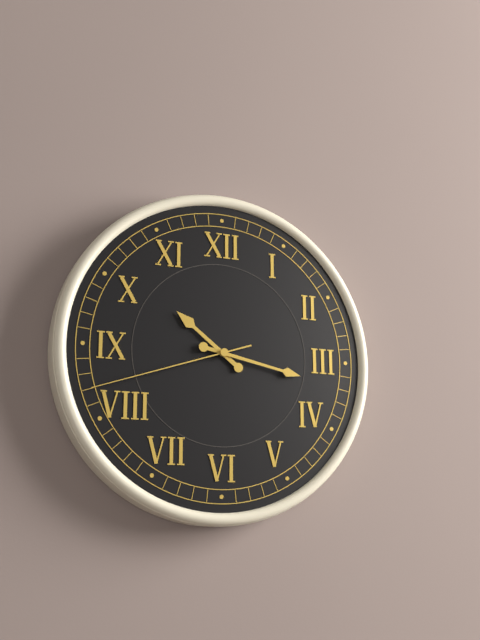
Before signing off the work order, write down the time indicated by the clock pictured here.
10:17:42
